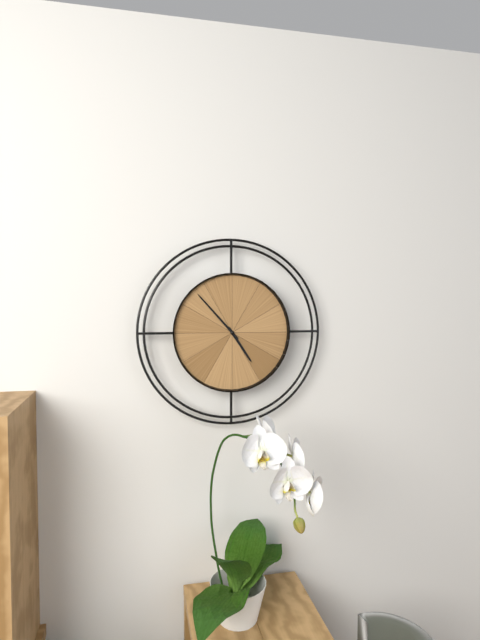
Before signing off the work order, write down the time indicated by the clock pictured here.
4:53
